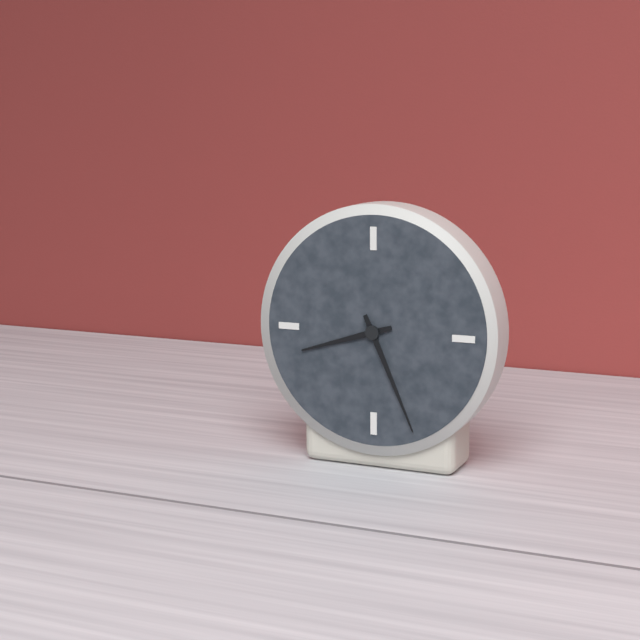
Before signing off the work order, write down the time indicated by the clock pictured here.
8:26
